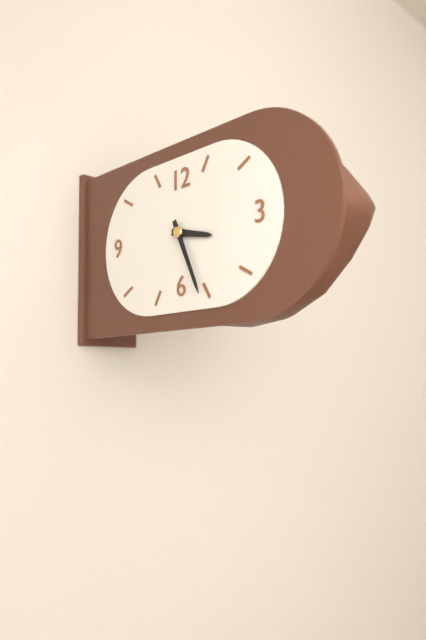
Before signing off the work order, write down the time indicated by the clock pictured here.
3:26
